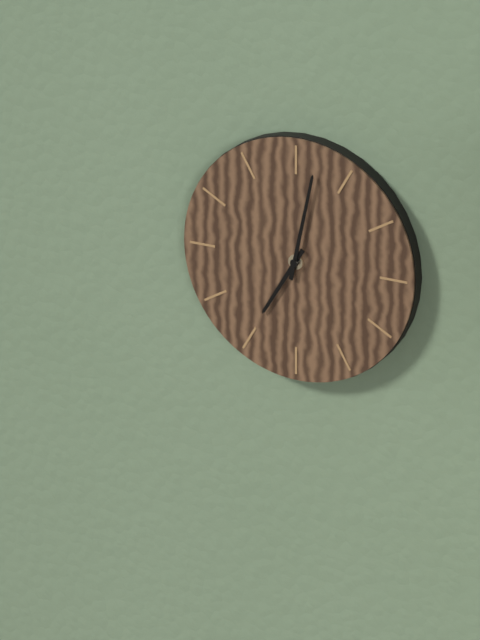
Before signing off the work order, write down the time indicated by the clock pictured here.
7:02
